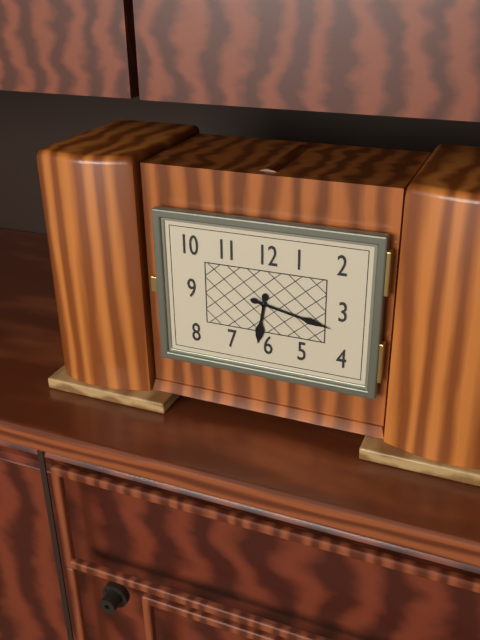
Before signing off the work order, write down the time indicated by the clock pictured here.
6:17
